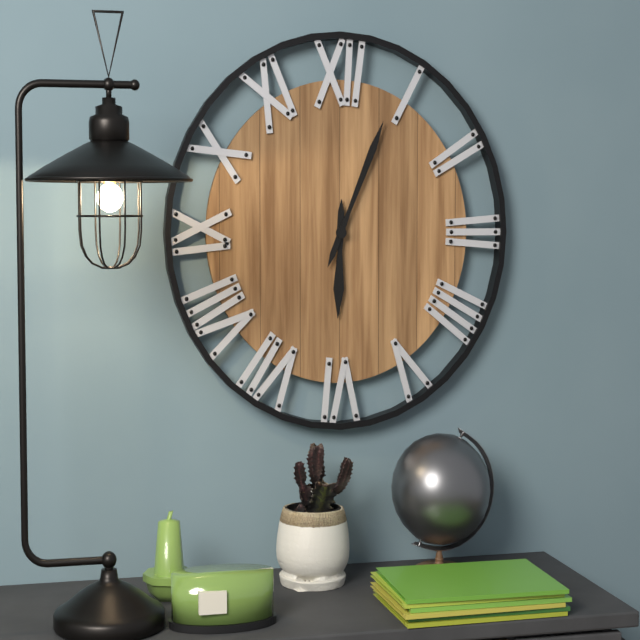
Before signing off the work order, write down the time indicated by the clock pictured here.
6:04
